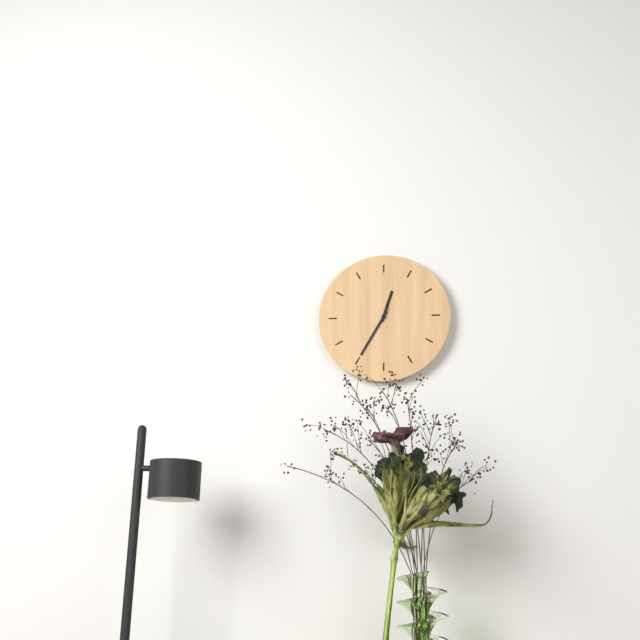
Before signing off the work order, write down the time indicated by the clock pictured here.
12:35:35
